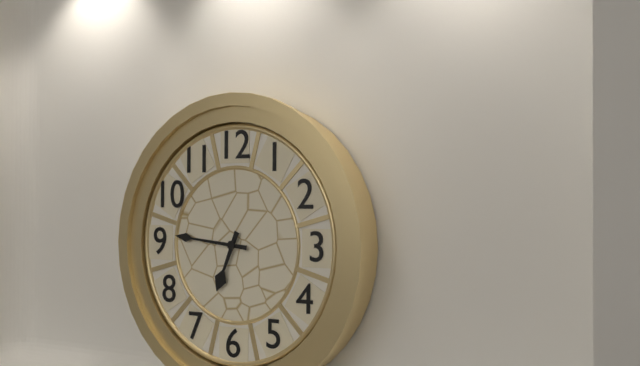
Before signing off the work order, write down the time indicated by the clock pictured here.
6:46
